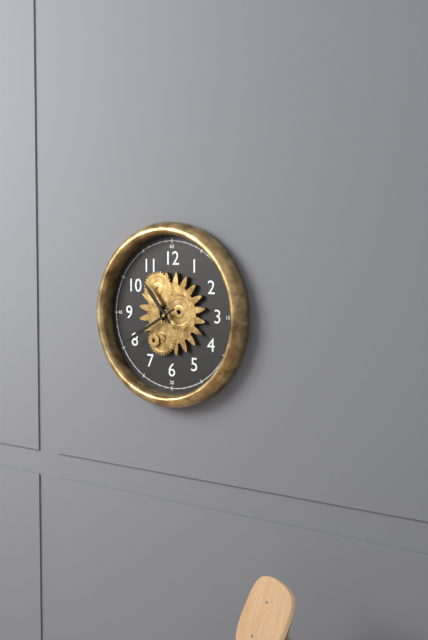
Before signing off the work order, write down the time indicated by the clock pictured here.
10:40
